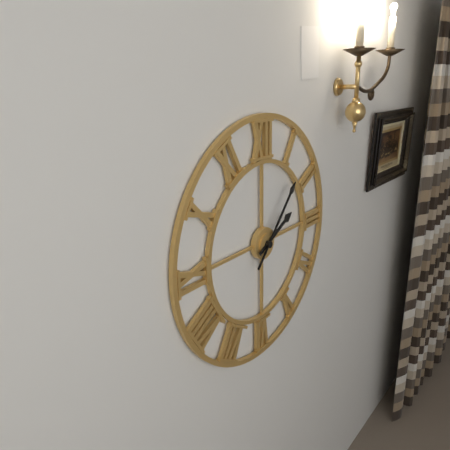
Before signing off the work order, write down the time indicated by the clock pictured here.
2:07
